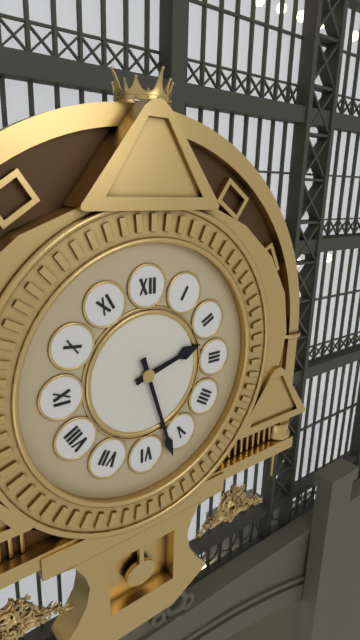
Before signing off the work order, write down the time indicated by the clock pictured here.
2:27
